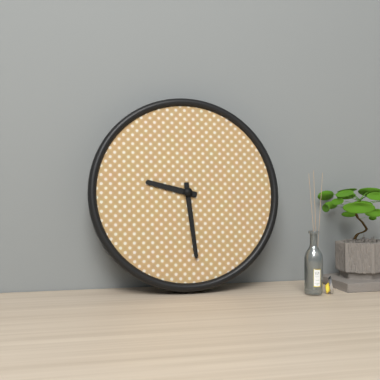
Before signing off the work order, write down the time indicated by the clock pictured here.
9:29
